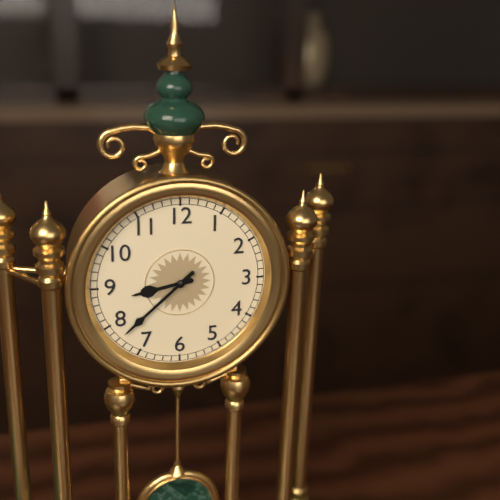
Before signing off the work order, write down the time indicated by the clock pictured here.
8:38
